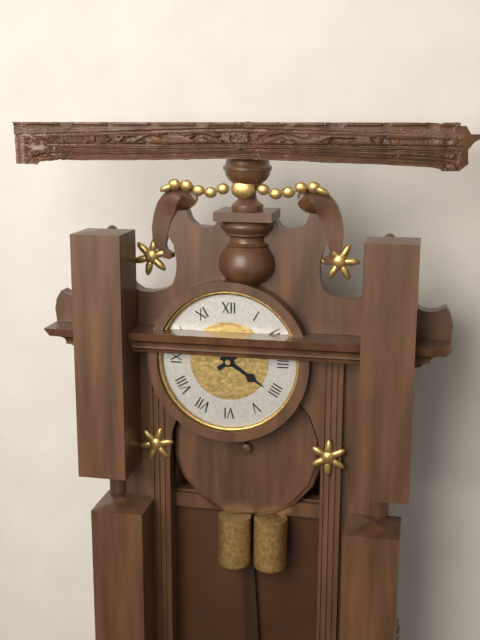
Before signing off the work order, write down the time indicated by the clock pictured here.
4:09
